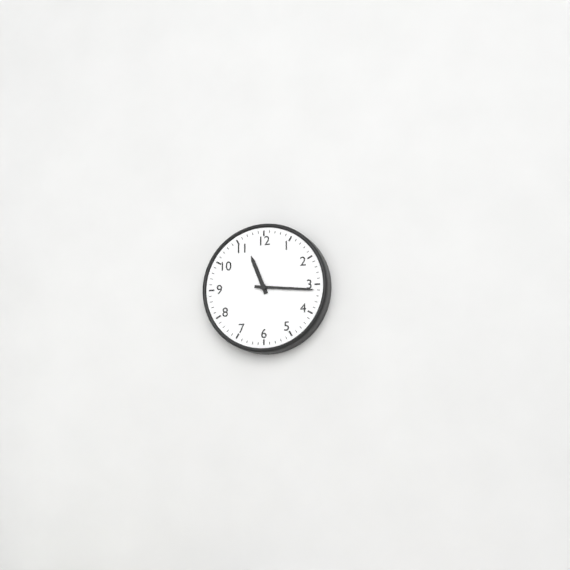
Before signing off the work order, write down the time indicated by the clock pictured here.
11:16
